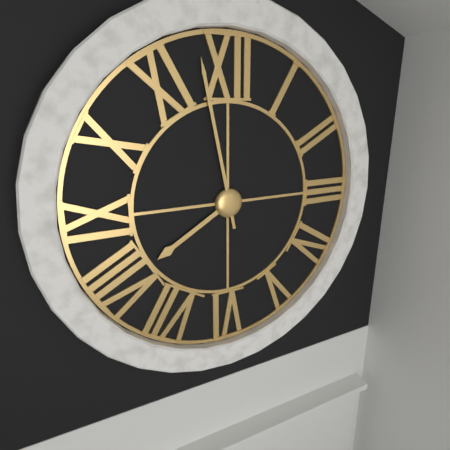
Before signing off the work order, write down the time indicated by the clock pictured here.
7:58
